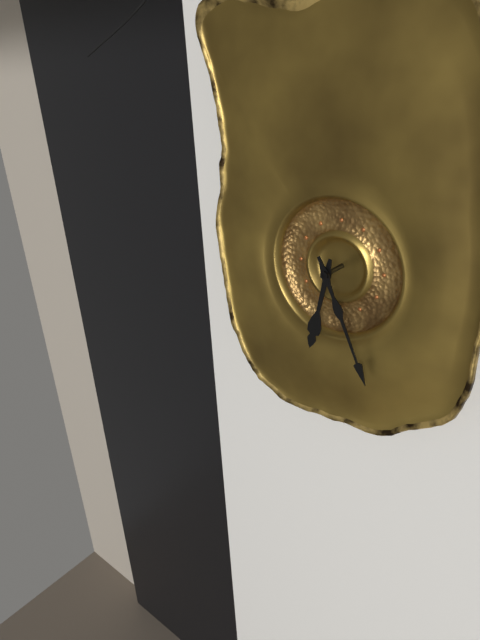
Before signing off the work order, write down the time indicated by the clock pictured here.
6:26
